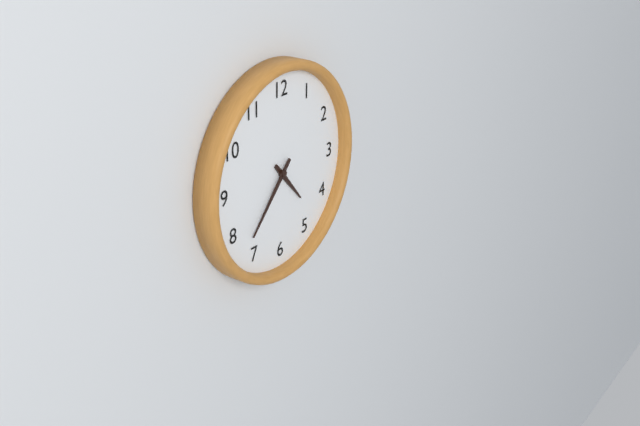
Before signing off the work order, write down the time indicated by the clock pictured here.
4:37
